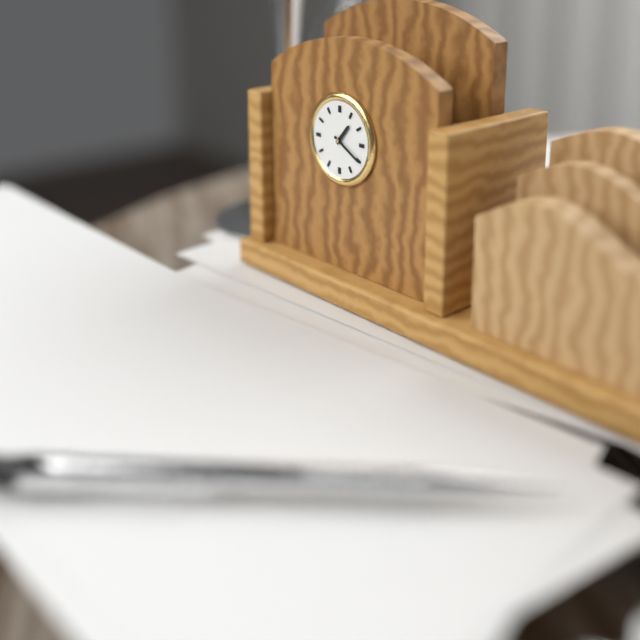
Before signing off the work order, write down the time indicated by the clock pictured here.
1:20
